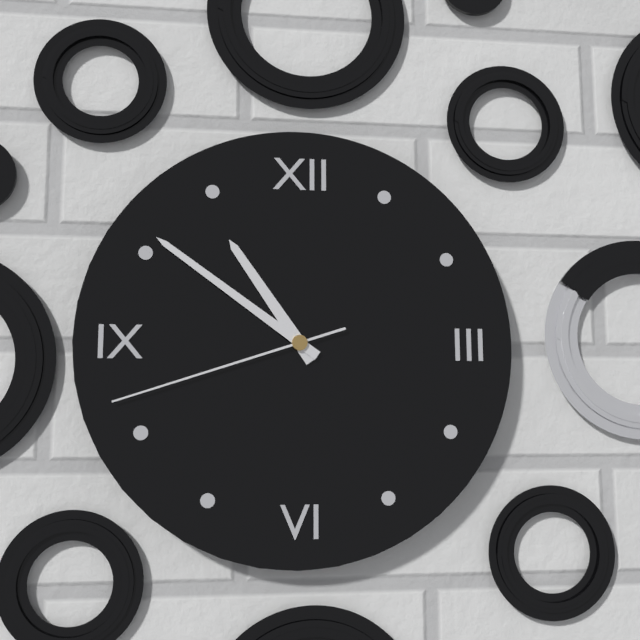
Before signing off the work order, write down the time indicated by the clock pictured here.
10:51:42
